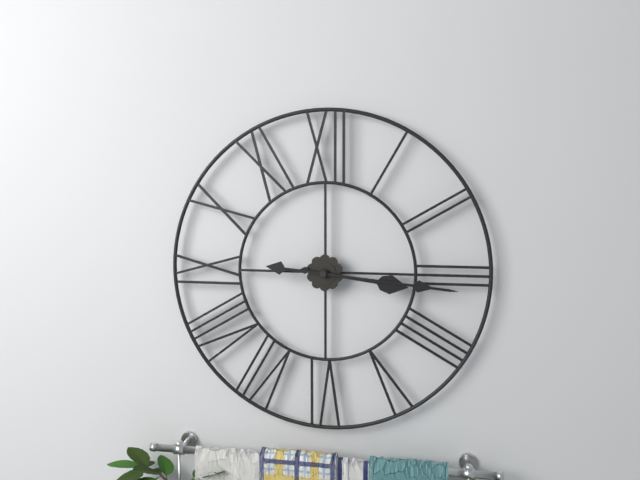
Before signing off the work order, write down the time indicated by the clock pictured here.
3:16
